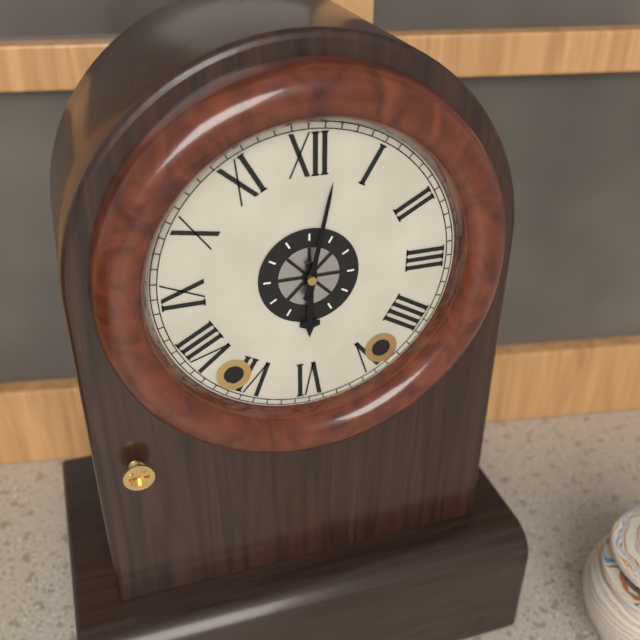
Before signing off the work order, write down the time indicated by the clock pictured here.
6:02
